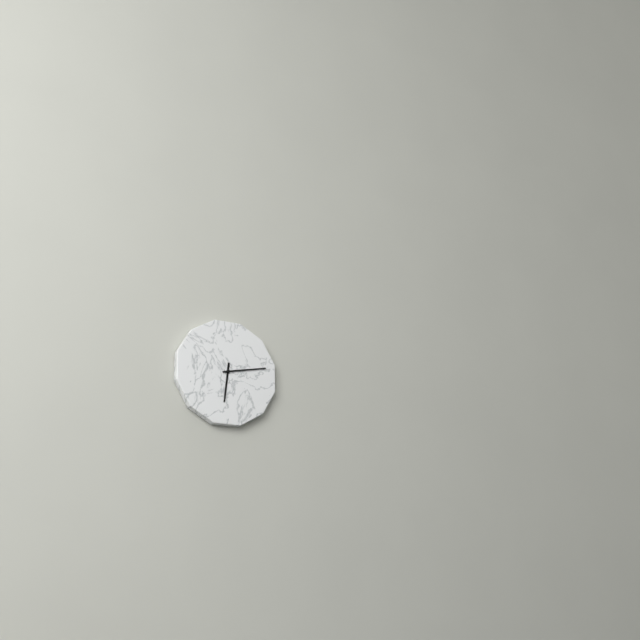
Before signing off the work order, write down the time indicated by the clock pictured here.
6:13
